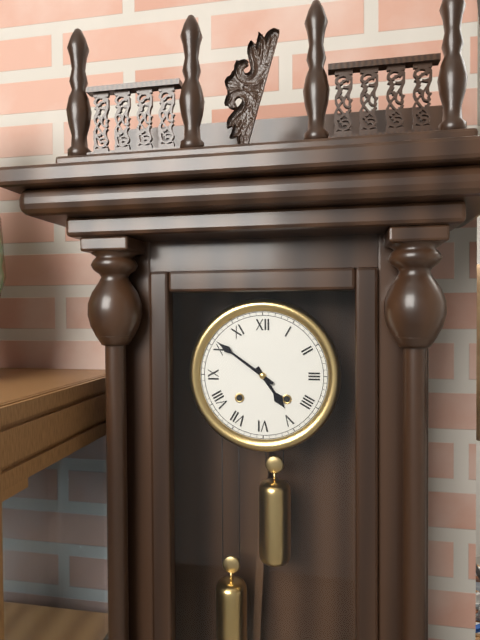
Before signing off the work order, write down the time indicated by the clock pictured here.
4:51
